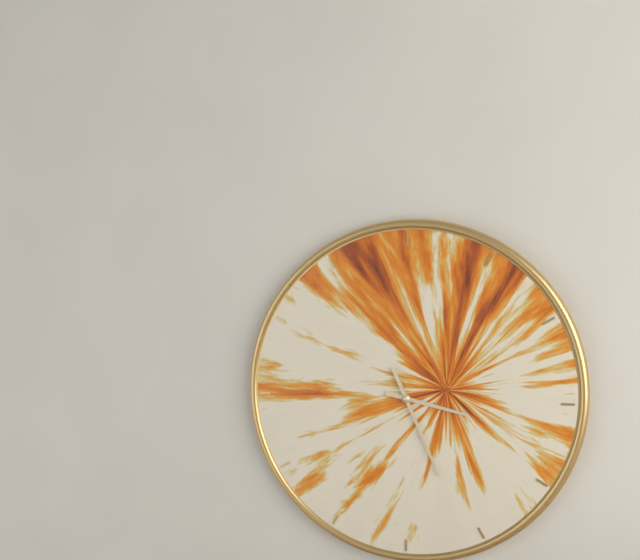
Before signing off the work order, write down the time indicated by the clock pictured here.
3:26
